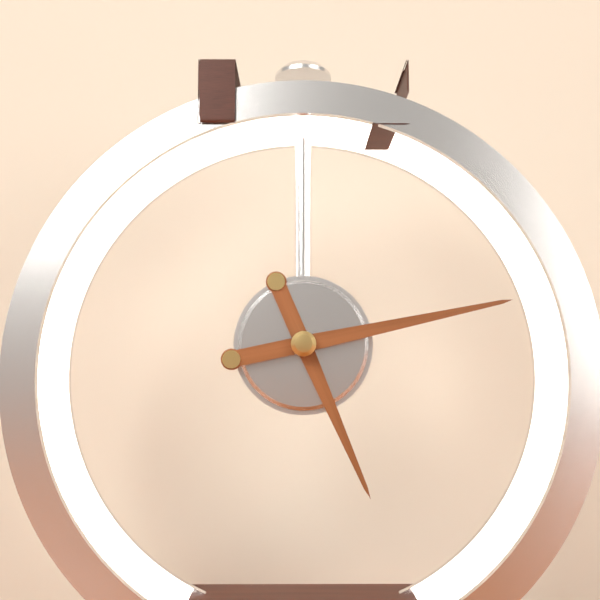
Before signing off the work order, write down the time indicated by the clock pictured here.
5:13
